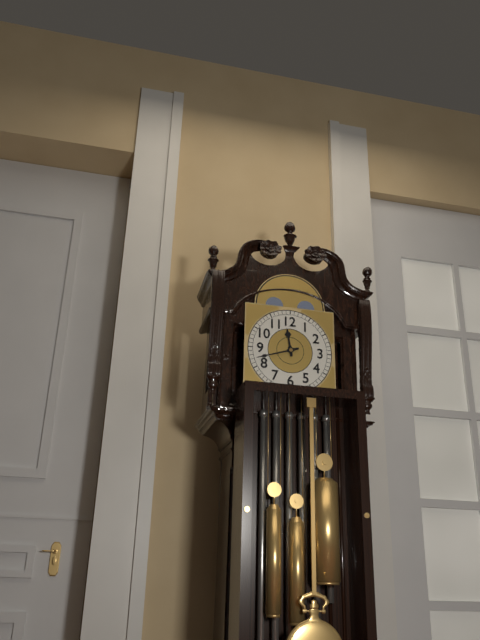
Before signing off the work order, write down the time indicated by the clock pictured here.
11:42
